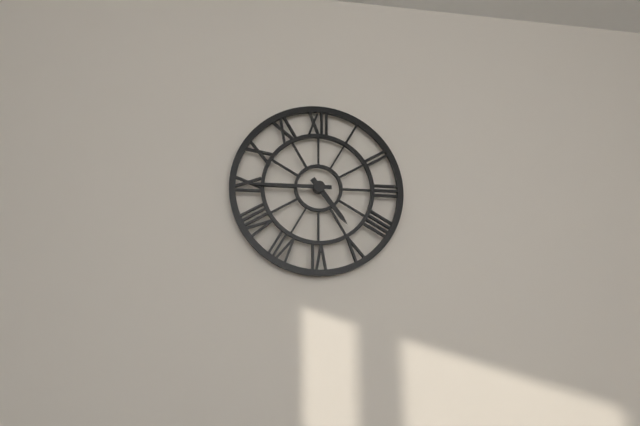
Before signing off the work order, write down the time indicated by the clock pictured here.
4:45
